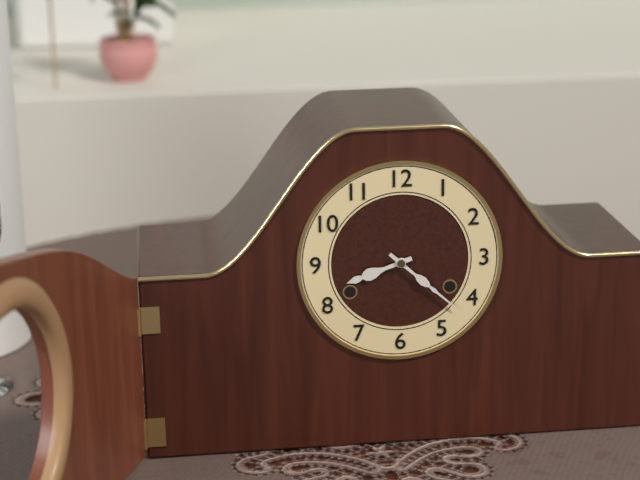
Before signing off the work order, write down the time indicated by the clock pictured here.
8:22
